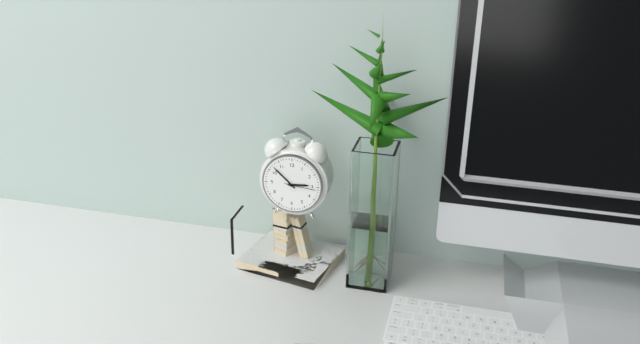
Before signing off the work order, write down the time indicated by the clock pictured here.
2:52
